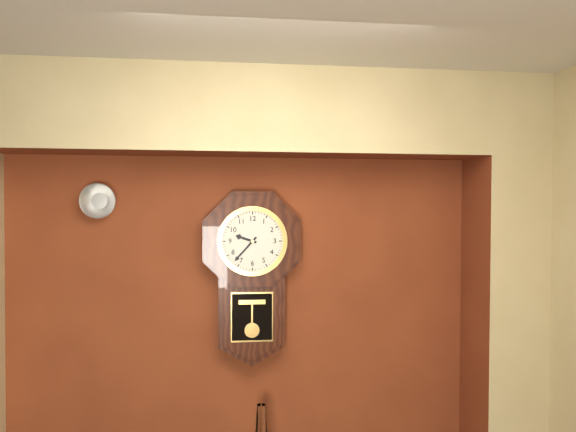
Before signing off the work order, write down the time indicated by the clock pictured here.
9:37
